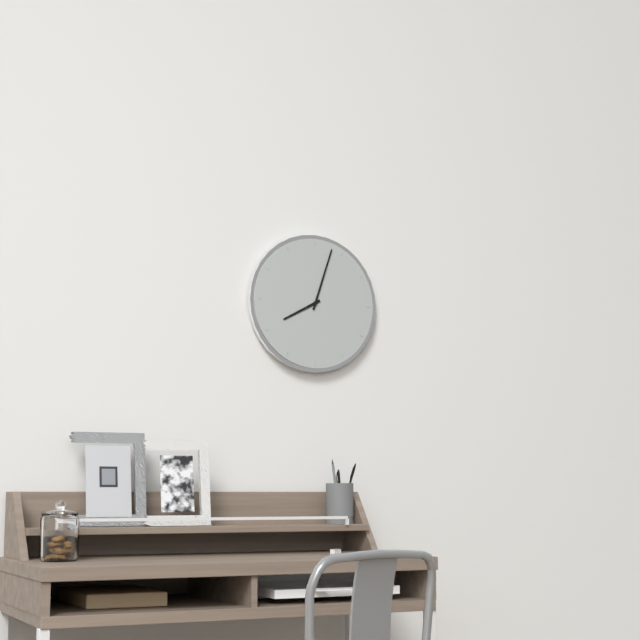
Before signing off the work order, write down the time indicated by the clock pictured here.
8:03
